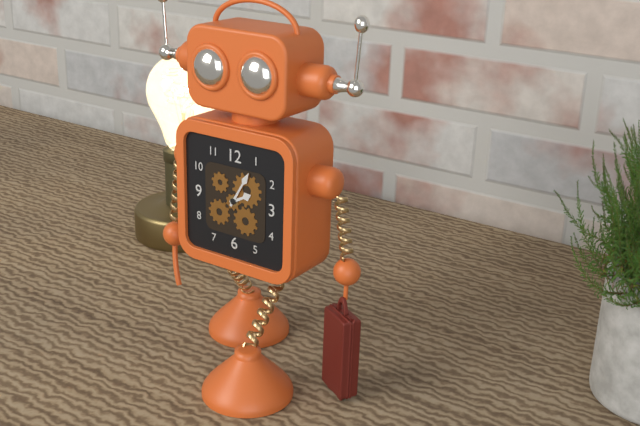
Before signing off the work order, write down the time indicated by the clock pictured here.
2:05
